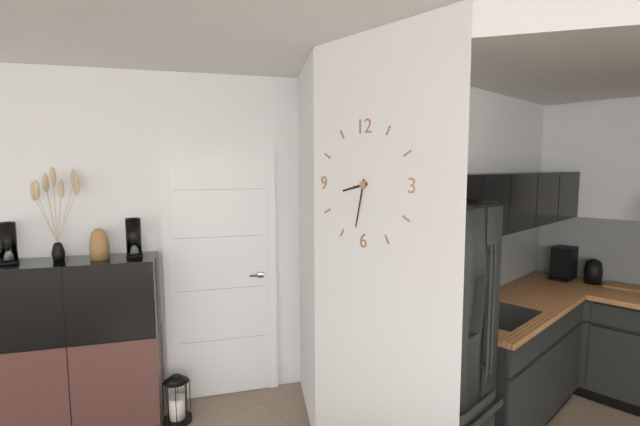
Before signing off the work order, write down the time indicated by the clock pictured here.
8:32
